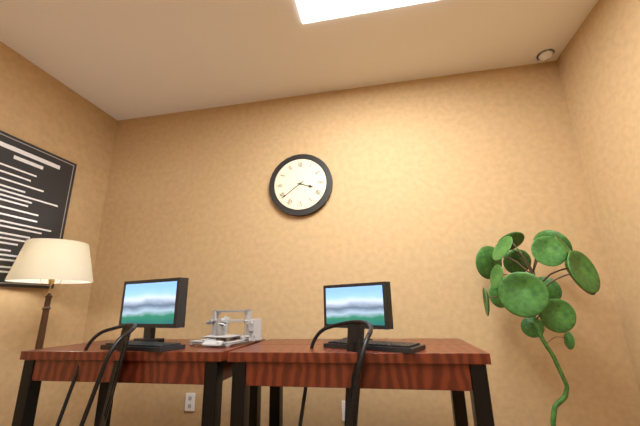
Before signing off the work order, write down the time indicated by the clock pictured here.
3:39
